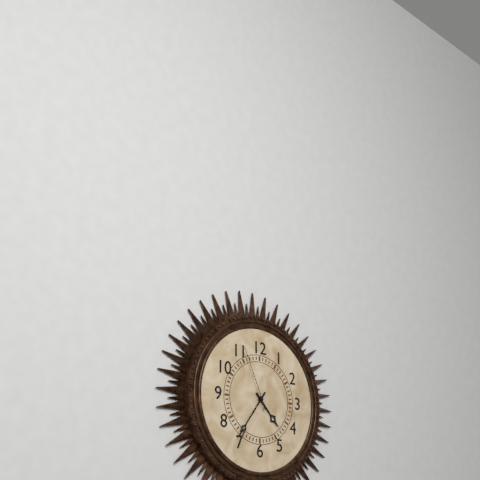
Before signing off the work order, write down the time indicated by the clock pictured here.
4:36:56
